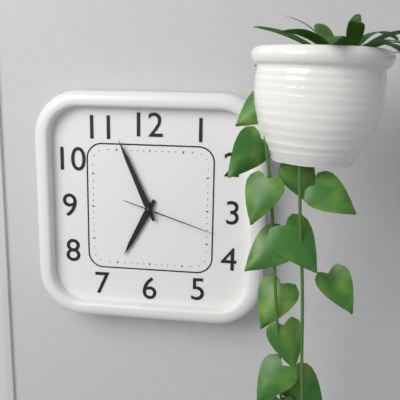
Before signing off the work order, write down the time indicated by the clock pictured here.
6:56:18
